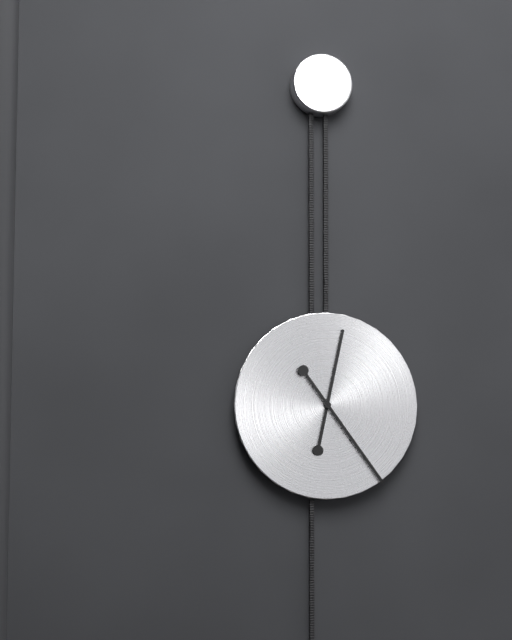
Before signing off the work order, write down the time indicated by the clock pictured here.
12:24
